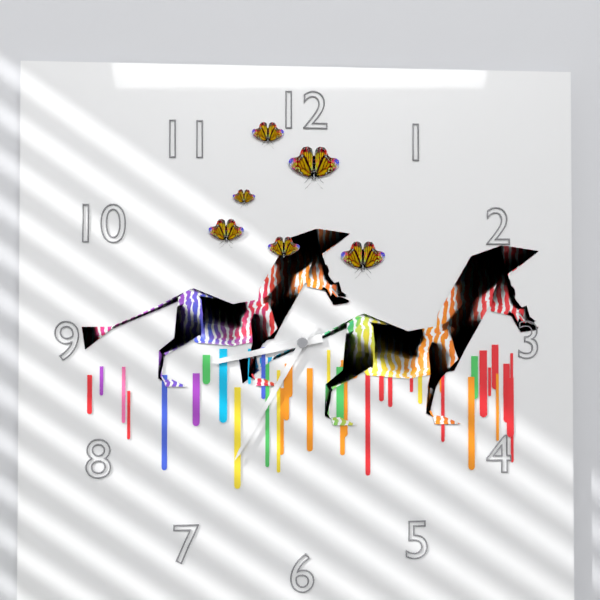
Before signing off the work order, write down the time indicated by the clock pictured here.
8:35
